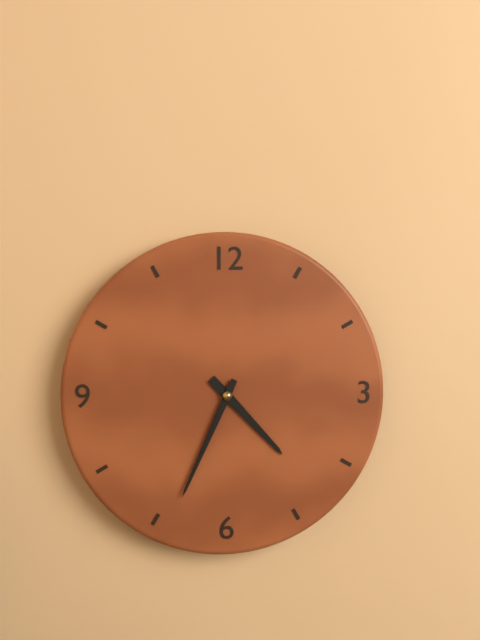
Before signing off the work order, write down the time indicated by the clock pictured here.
4:34
